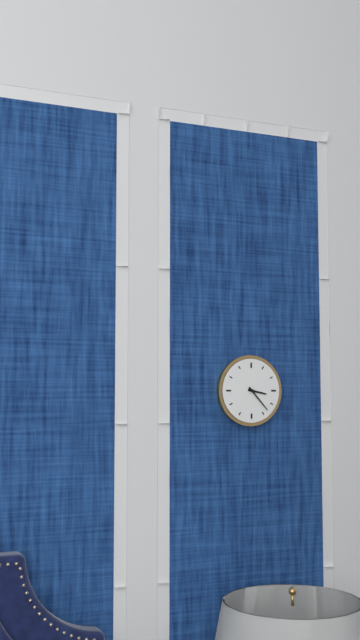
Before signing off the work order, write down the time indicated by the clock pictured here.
3:23
